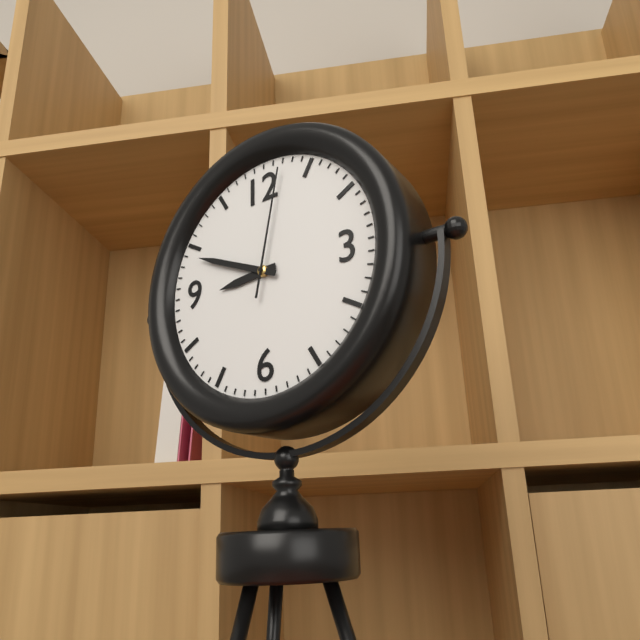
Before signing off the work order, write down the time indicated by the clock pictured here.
8:49:02
